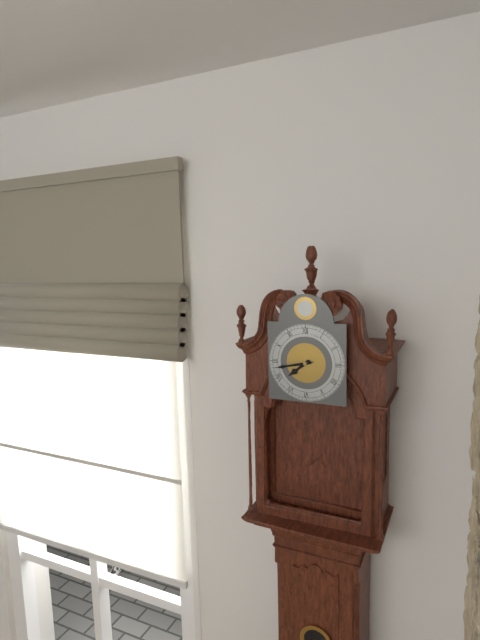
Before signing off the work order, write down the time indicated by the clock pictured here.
7:43
